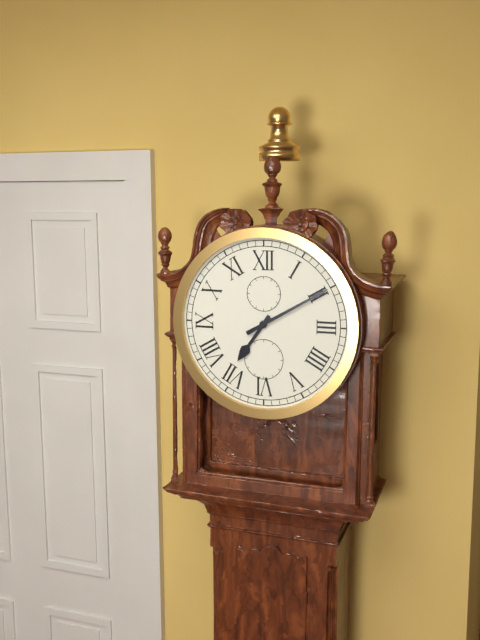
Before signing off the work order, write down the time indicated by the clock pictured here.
7:10
